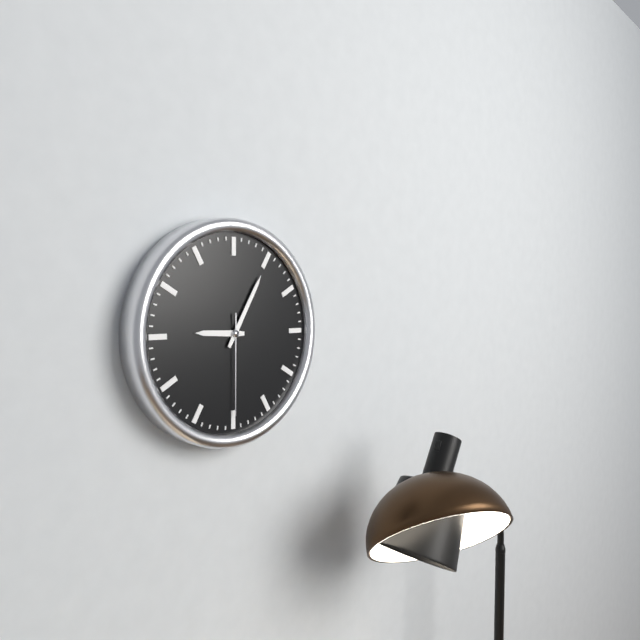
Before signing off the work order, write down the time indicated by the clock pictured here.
9:05:30
